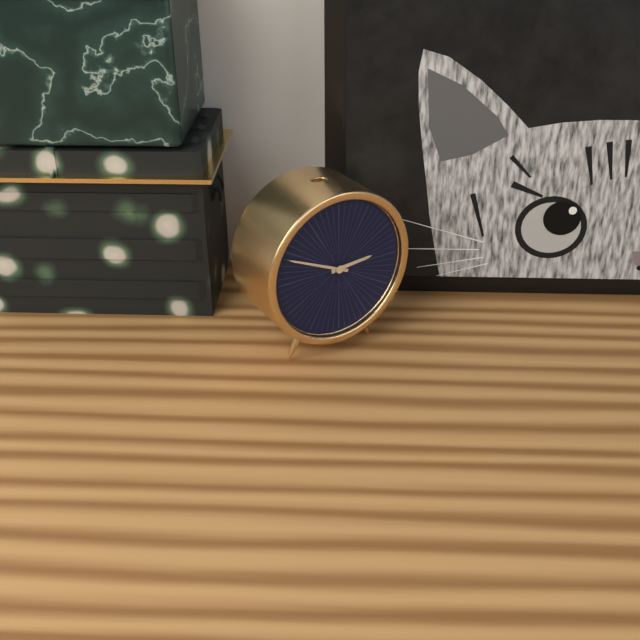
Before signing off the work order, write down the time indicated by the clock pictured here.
2:49
